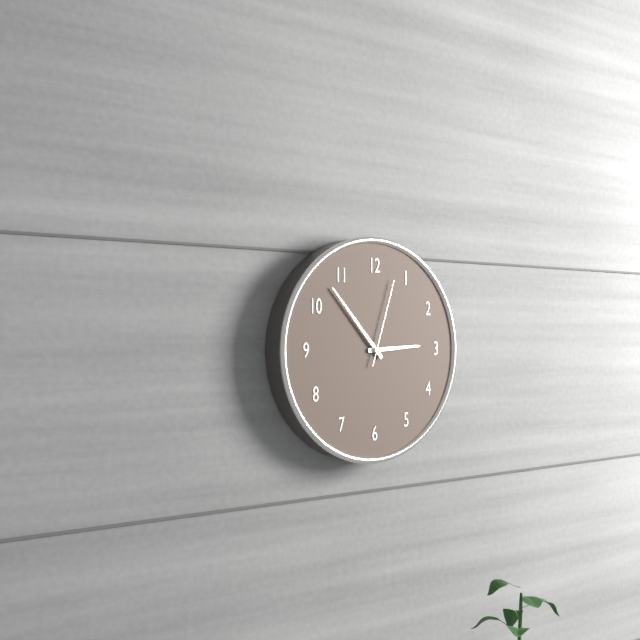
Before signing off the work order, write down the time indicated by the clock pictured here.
2:53:03
